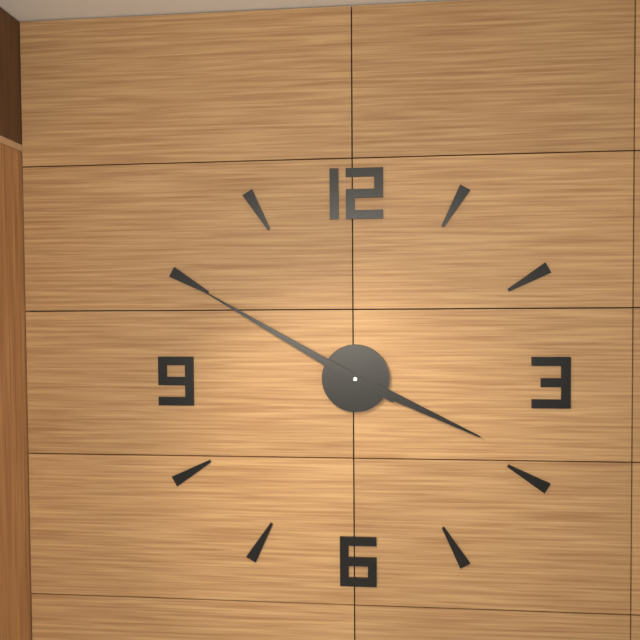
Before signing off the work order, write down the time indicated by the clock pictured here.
3:50
